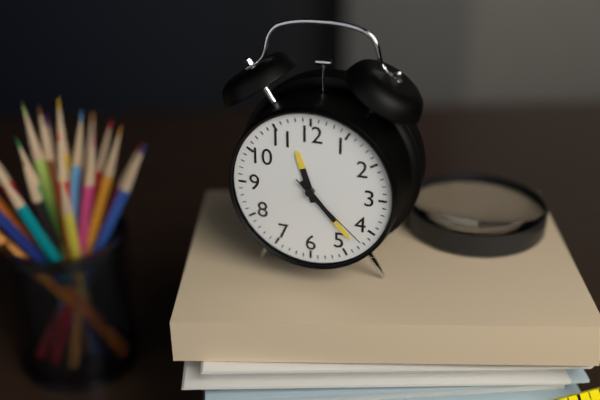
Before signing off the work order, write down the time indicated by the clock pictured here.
11:23:22
